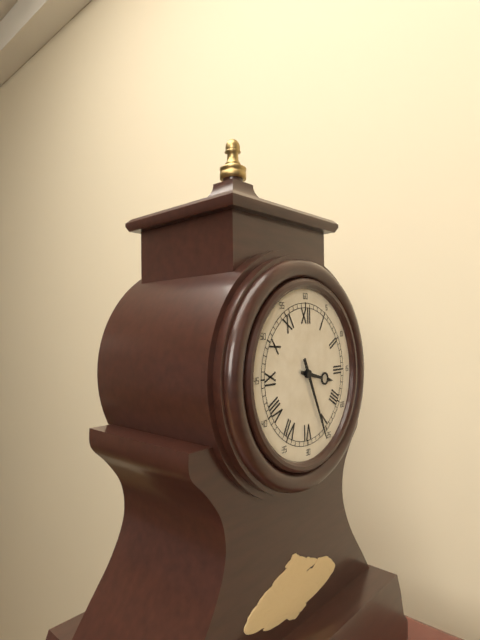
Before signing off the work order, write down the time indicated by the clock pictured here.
3:26
